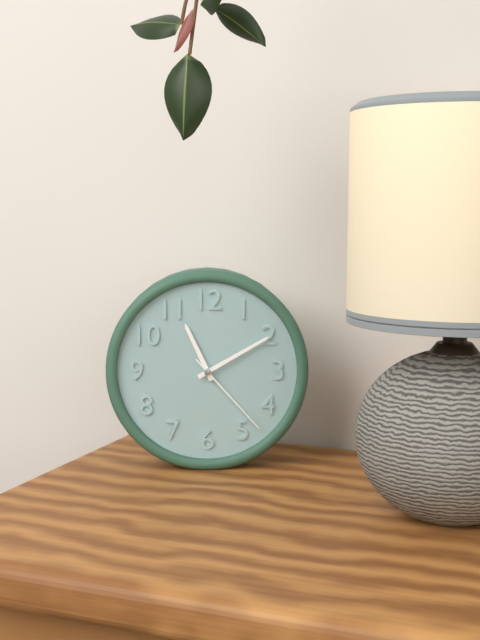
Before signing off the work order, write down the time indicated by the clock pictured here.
11:10:23
